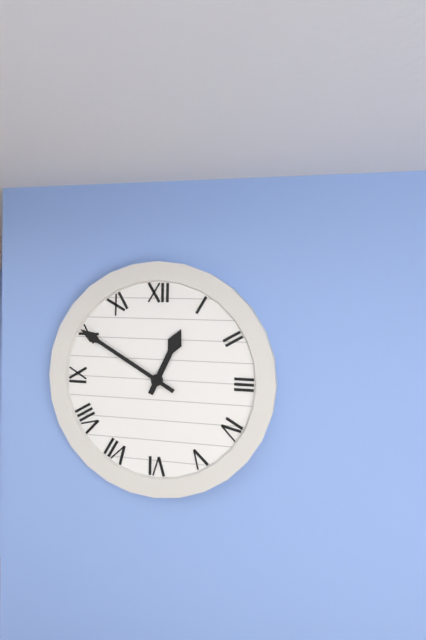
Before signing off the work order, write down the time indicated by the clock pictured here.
12:50
